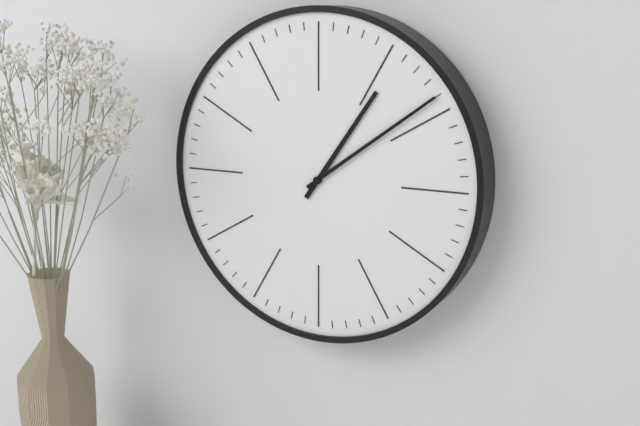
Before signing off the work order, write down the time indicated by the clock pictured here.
1:09
